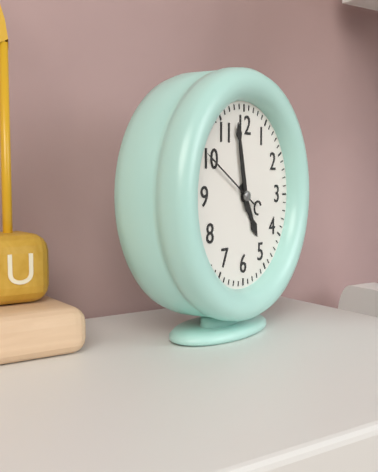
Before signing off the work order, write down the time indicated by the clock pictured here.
4:58:50
